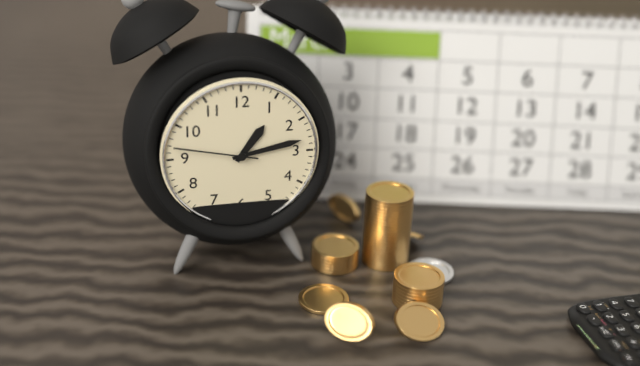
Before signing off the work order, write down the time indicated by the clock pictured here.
1:13:47
